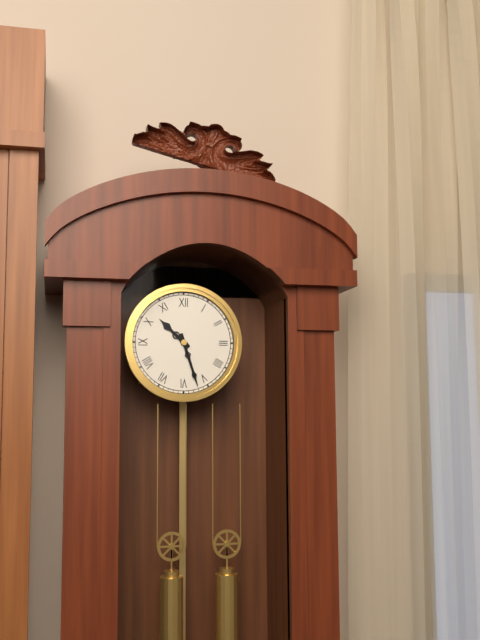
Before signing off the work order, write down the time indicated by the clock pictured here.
10:27
